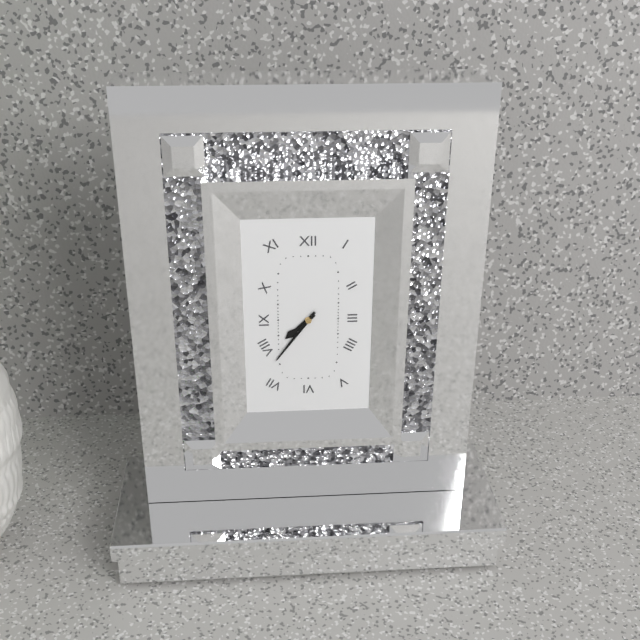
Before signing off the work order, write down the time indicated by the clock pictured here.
7:36
